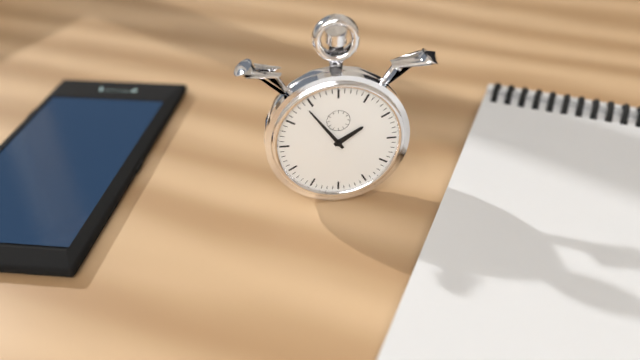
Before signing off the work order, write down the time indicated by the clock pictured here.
1:54
